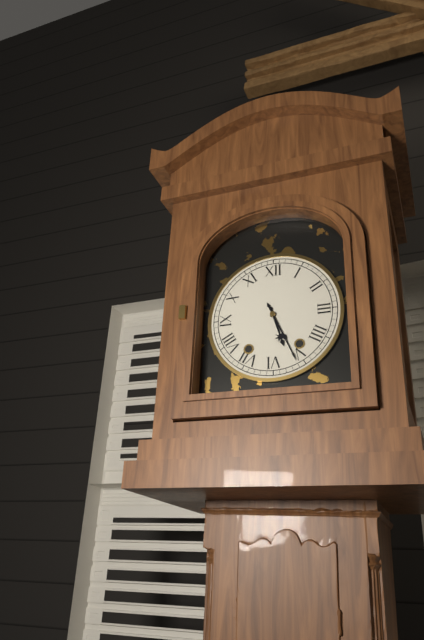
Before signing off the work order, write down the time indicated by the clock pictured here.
5:26
